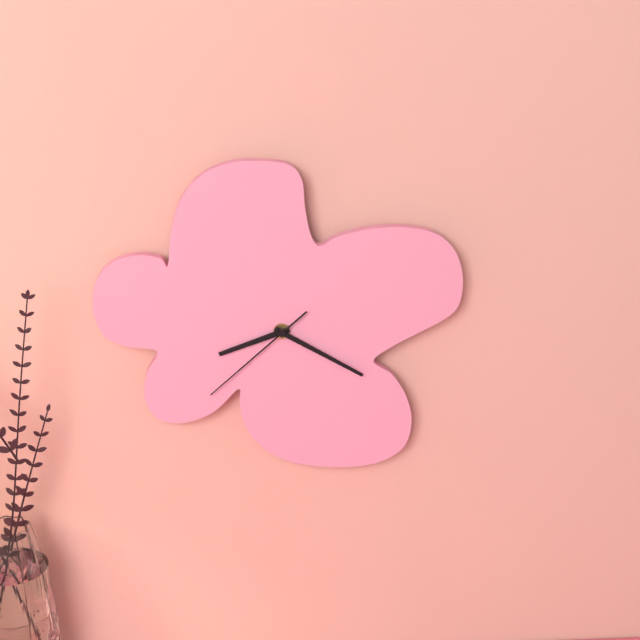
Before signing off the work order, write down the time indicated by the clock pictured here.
8:20:38
